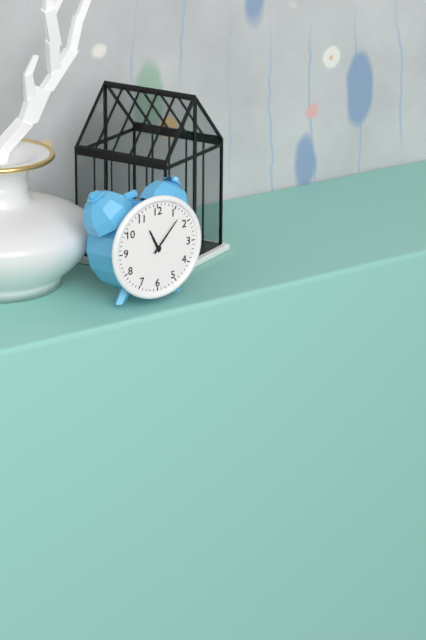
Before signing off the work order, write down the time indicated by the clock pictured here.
11:07
